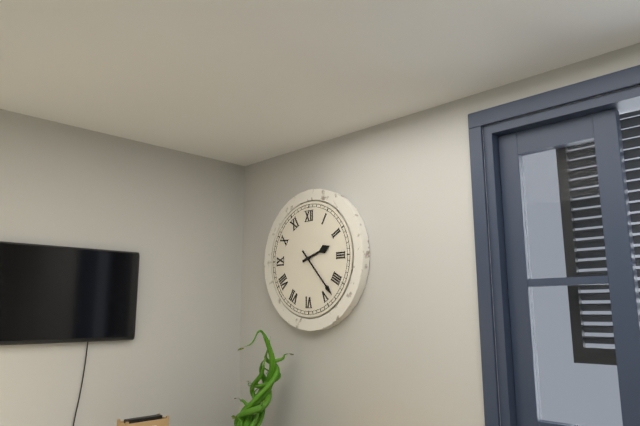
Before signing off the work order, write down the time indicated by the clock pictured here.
2:23
